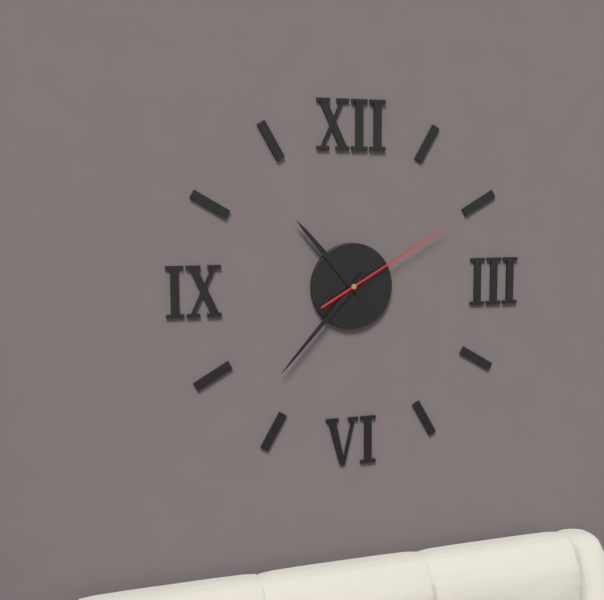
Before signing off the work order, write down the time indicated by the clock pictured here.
10:37:10
